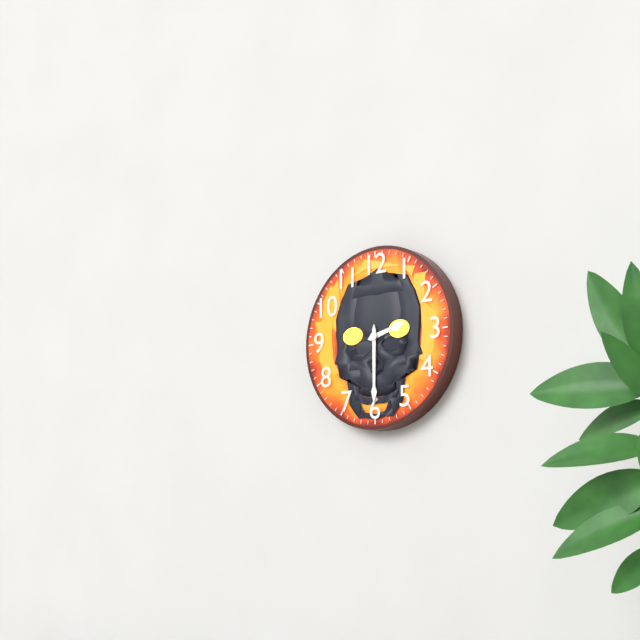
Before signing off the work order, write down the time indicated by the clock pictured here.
2:30
